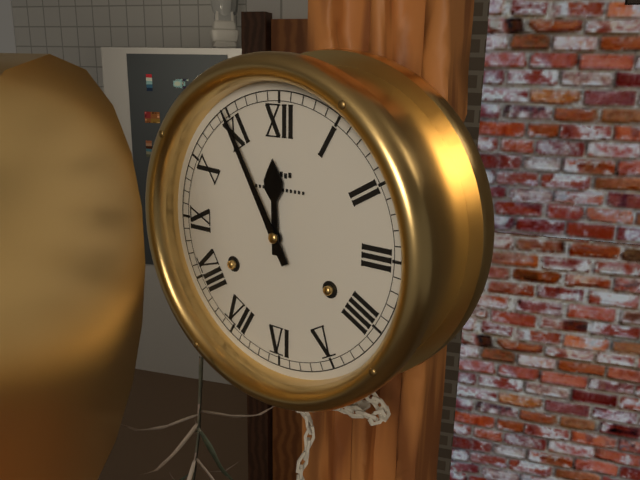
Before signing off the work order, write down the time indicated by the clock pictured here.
11:55
